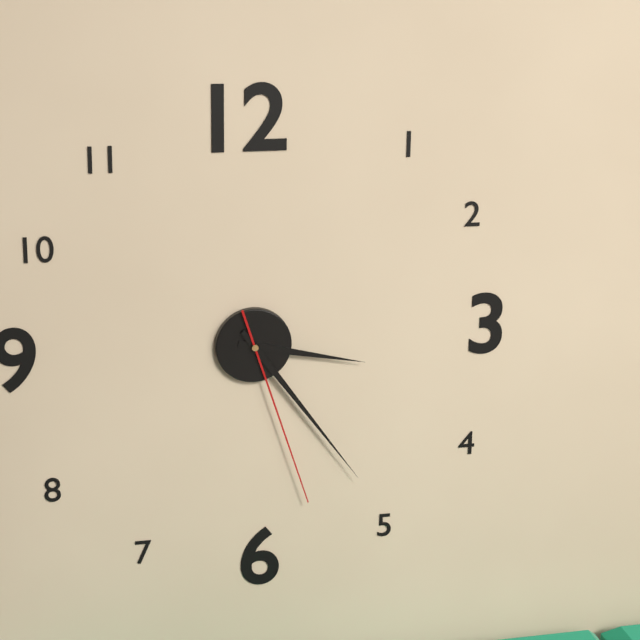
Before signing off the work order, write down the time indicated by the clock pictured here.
3:24:27
